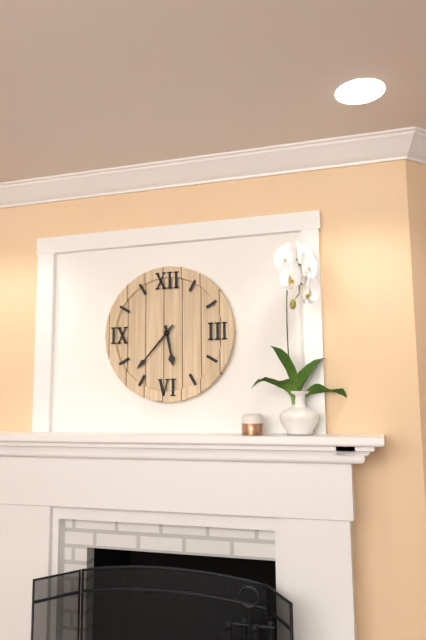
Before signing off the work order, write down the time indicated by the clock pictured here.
5:37
